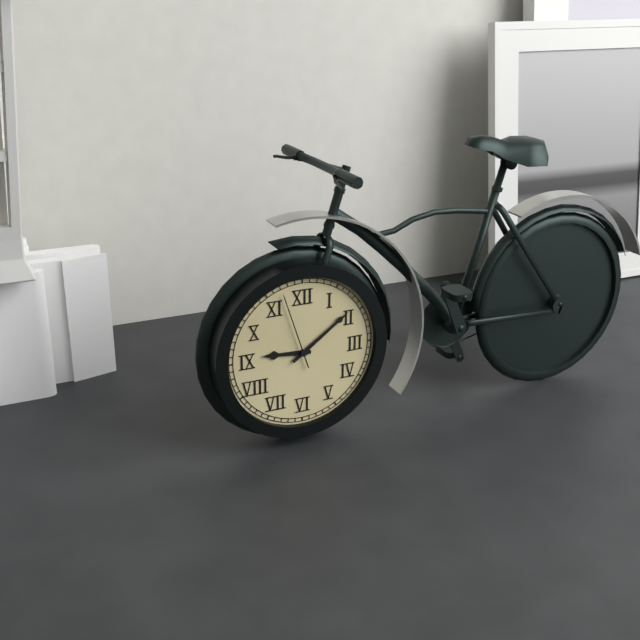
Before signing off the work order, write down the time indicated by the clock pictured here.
9:09:57
